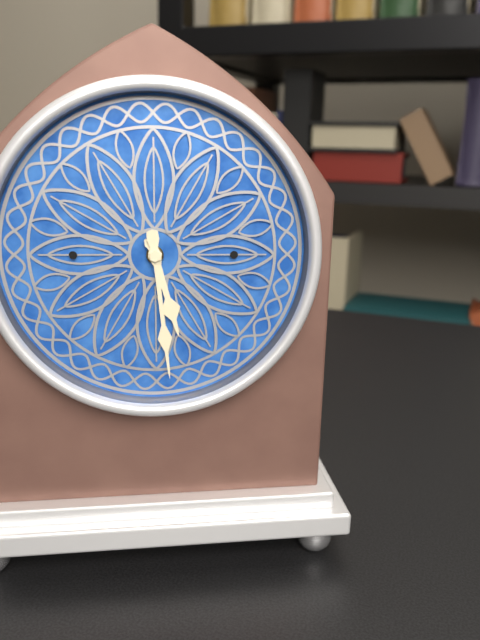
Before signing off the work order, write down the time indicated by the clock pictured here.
5:29
